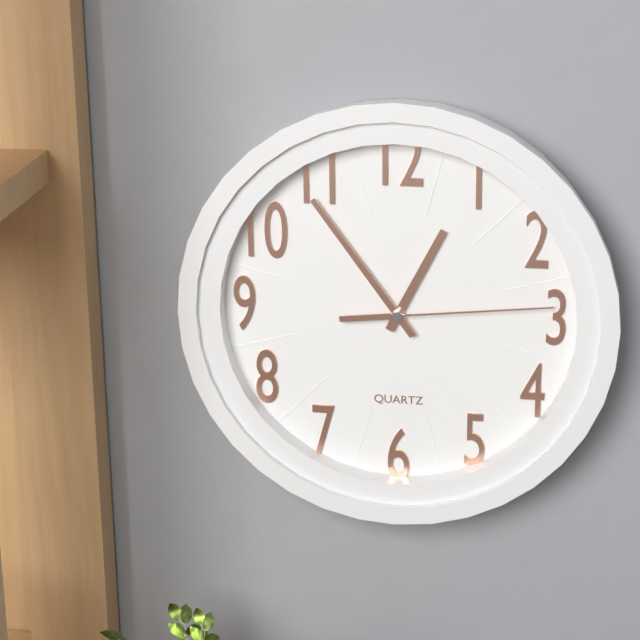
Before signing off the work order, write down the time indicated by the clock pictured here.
12:54:14
